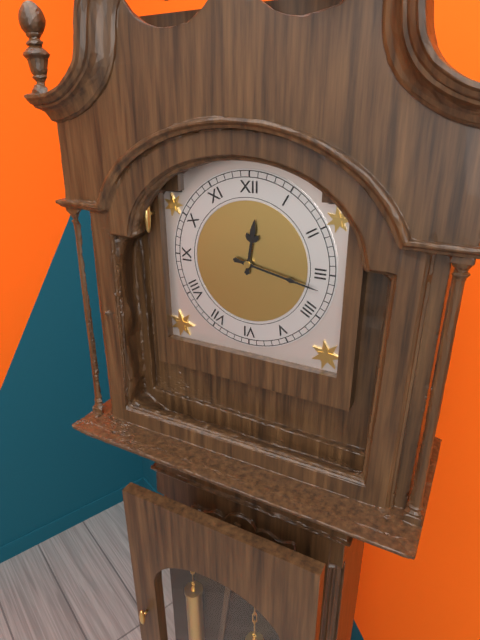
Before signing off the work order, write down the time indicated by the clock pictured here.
12:17
